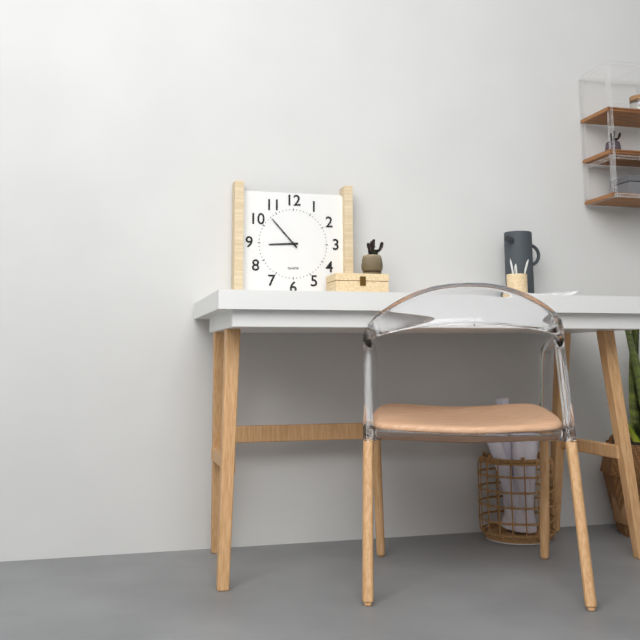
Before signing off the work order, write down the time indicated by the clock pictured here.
8:53
